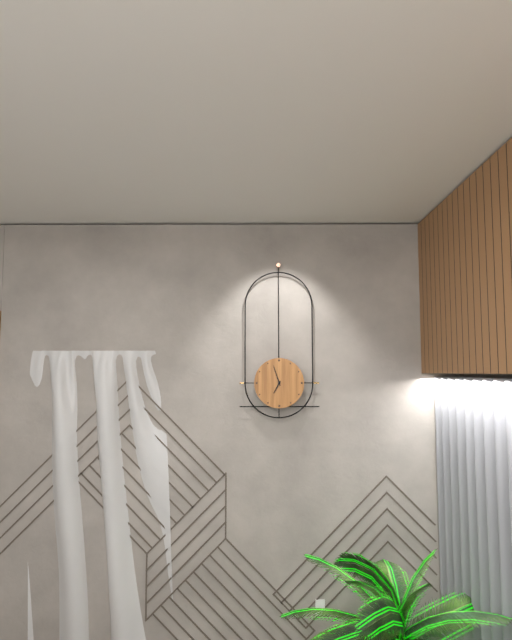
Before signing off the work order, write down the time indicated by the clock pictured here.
6:57
